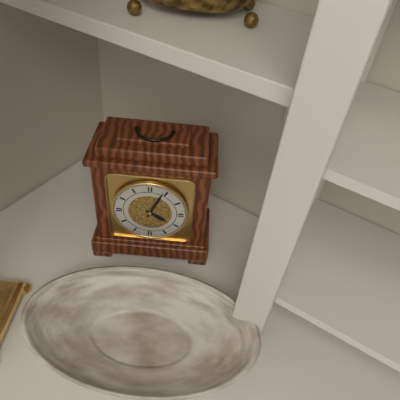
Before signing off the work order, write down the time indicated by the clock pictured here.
4:04
